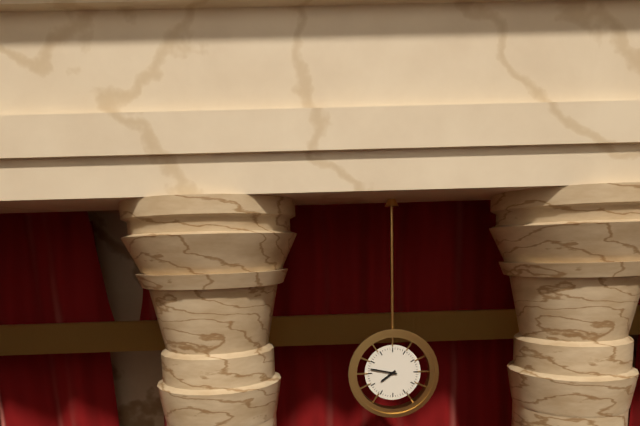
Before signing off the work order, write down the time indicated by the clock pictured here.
7:47
